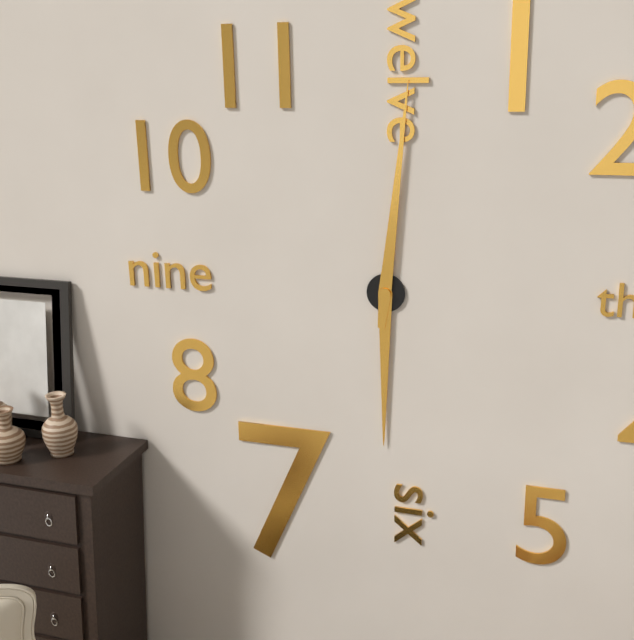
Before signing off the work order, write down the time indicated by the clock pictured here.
6:01
